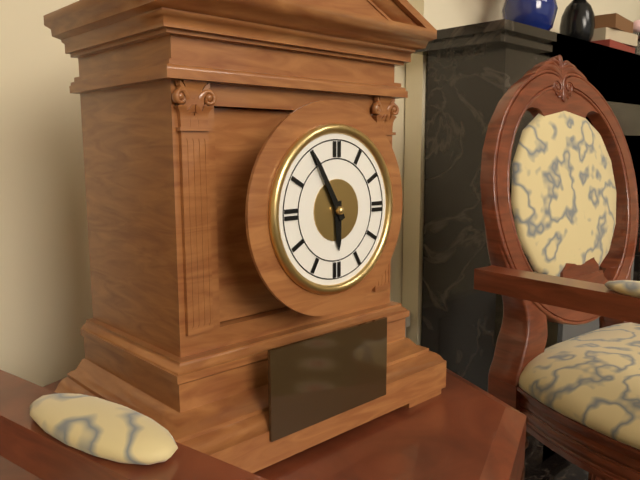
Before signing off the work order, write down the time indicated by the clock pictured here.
5:55
